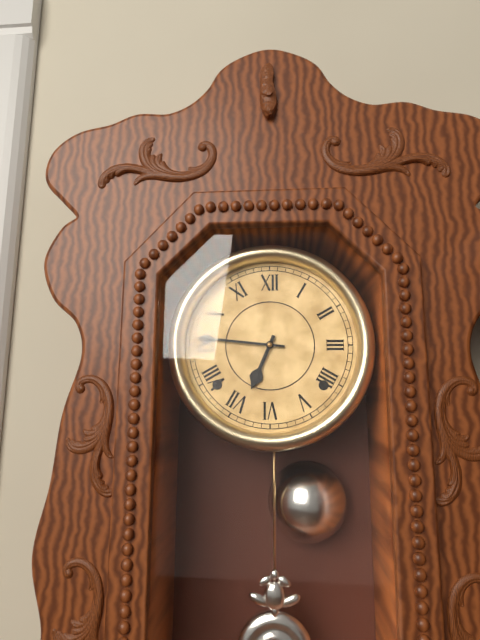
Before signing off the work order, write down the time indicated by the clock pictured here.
6:46
